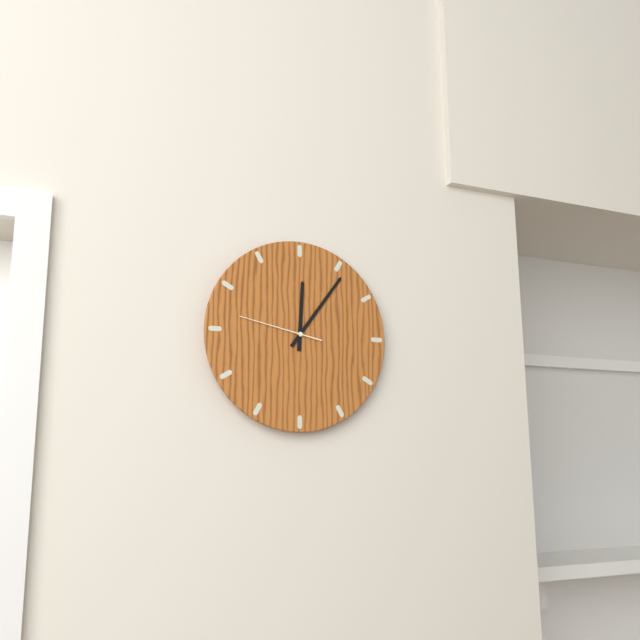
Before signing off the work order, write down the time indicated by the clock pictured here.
12:06:47
